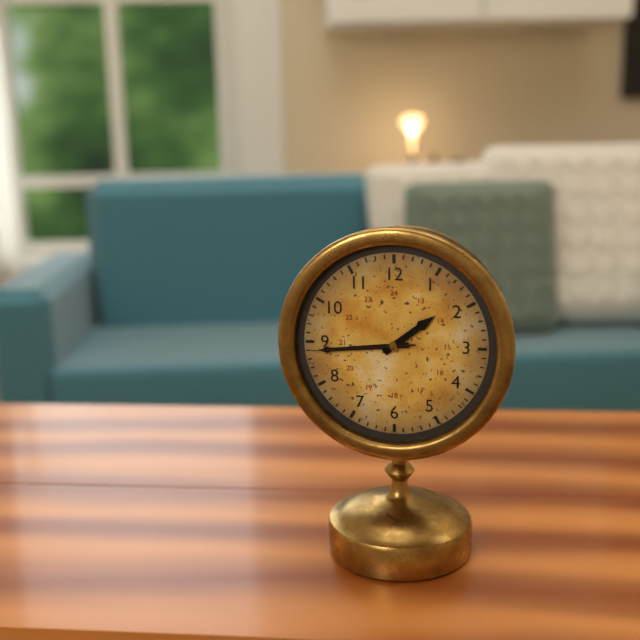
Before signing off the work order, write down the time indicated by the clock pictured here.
1:44:44
